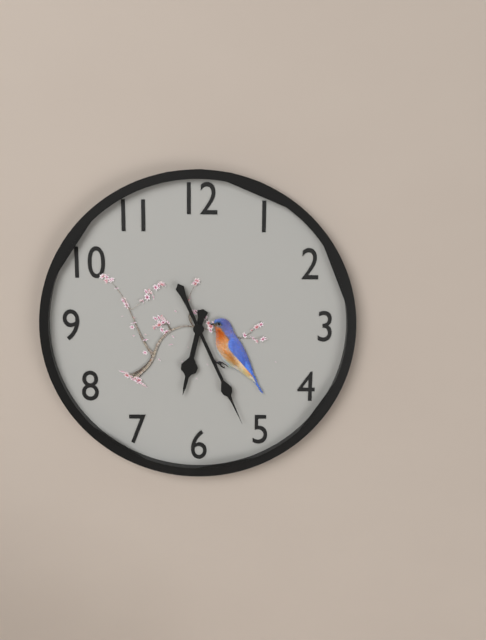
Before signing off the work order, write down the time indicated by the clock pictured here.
6:26
